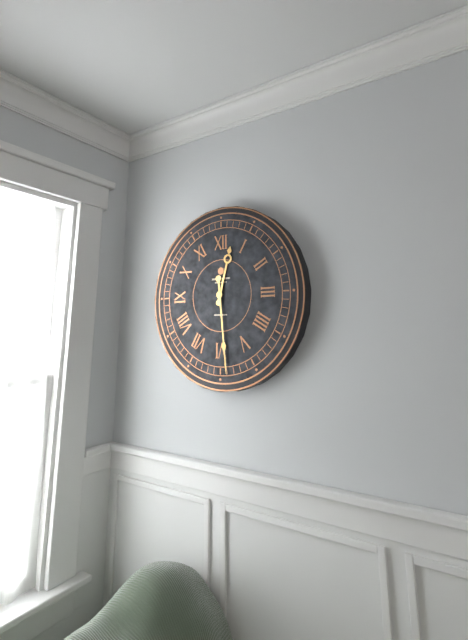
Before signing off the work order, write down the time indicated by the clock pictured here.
12:29
